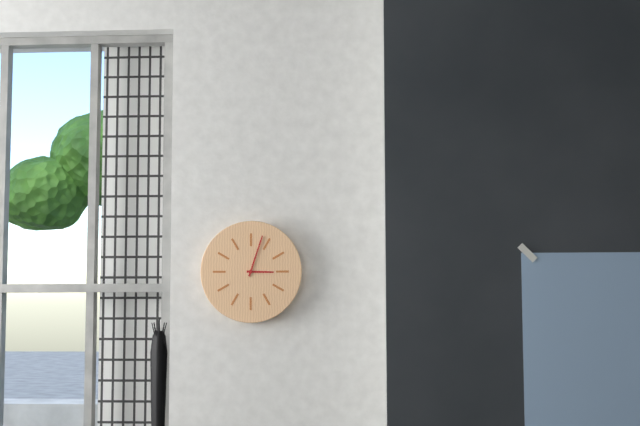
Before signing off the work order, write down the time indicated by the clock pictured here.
3:03
